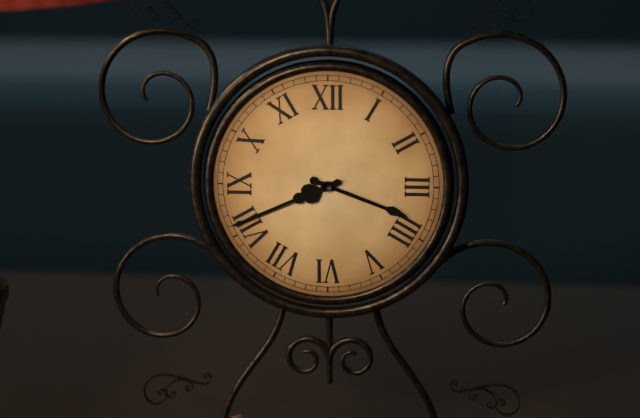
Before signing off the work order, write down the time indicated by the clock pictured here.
3:41
